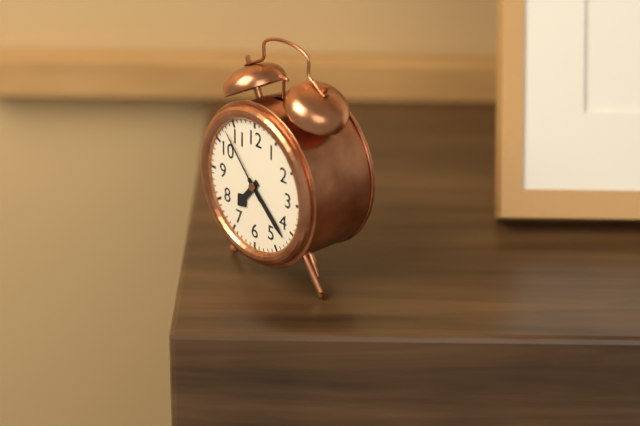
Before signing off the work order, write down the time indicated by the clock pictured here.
7:22:53
